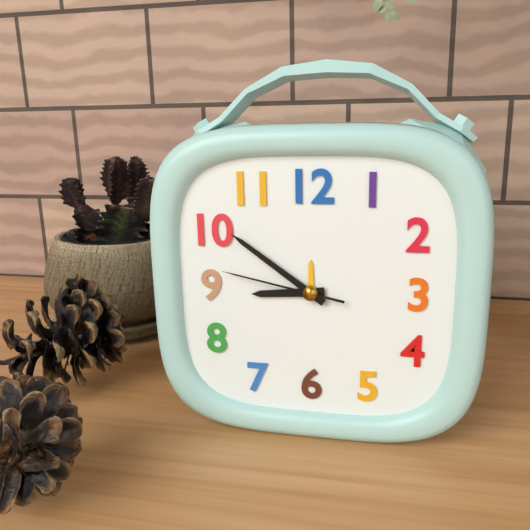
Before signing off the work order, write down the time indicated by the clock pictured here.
8:51:47
